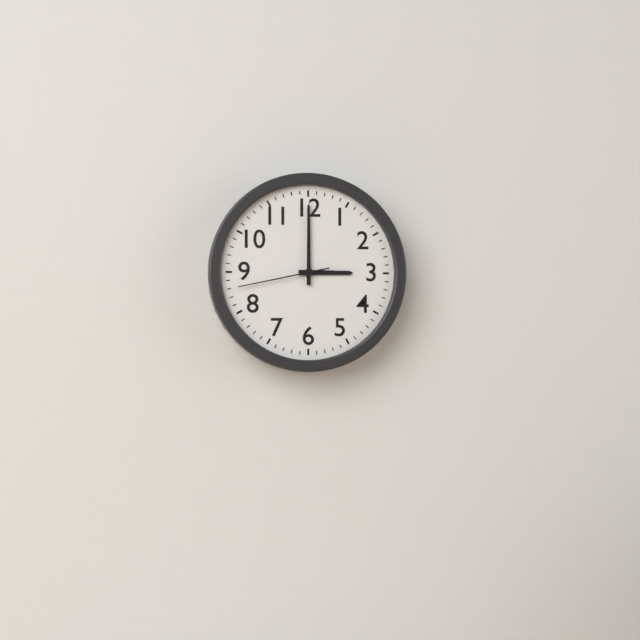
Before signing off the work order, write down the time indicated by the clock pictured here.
3:00:43
